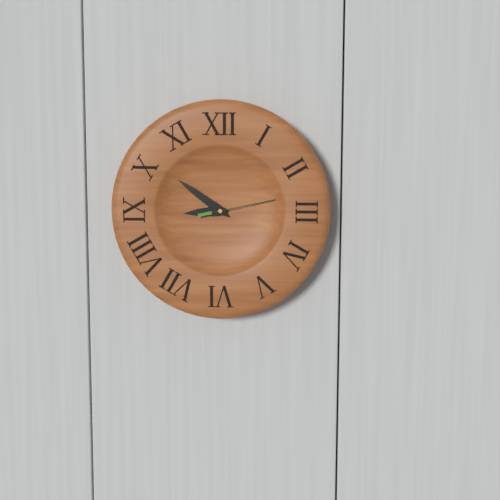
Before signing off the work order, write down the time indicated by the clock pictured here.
8:51:13
